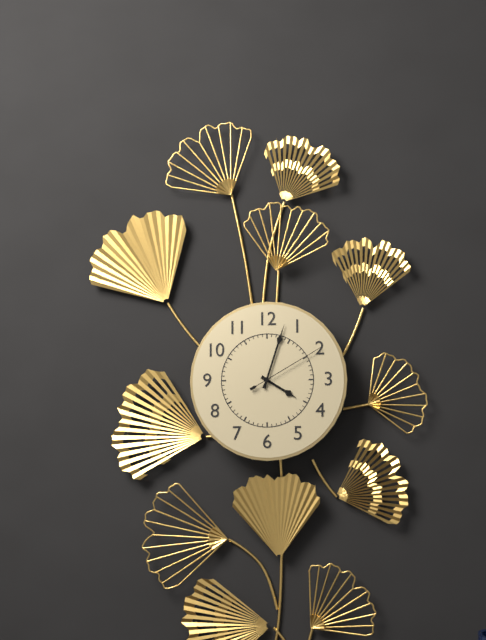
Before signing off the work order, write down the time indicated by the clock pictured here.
4:03:10
